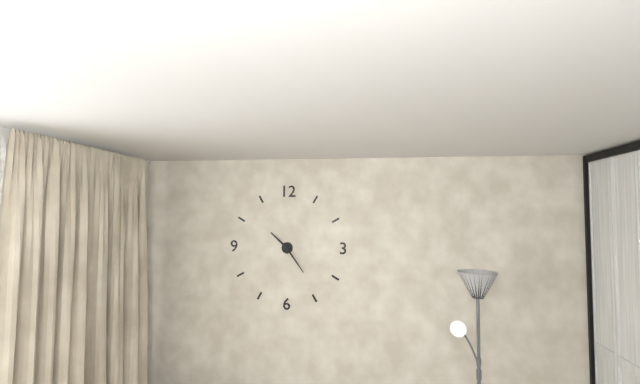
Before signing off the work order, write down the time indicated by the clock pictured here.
10:24
